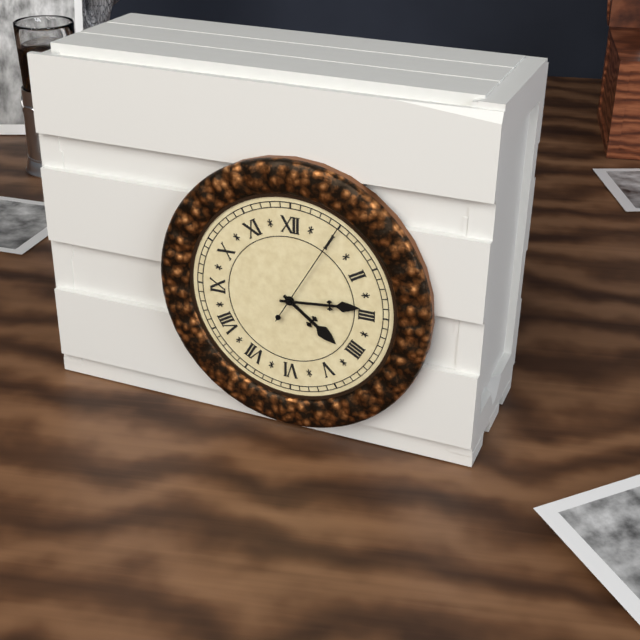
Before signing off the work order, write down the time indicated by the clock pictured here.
4:14:05
